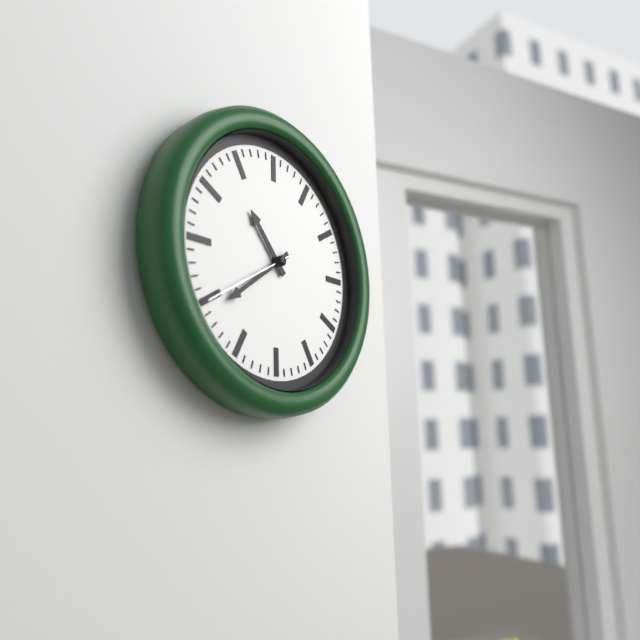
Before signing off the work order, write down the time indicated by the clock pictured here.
10:39:40
